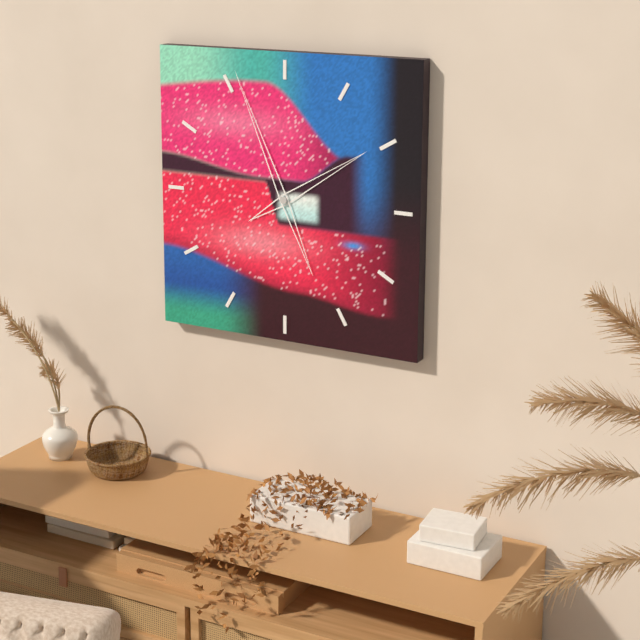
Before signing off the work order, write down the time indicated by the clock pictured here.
1:56
